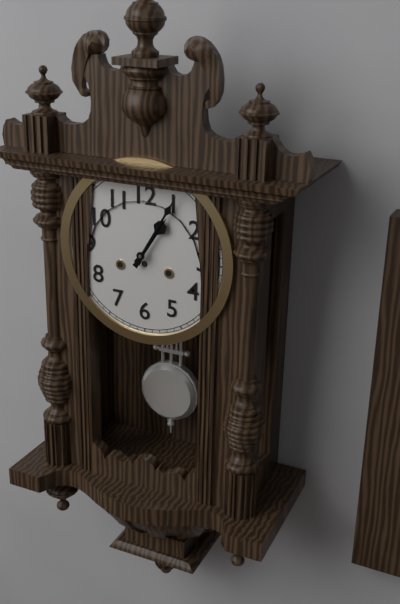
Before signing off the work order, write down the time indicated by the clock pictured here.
1:05
